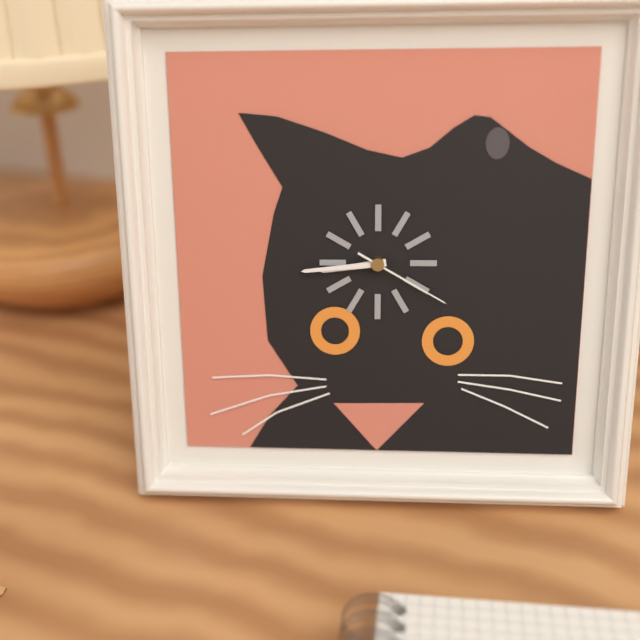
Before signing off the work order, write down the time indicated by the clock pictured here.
8:44:20
